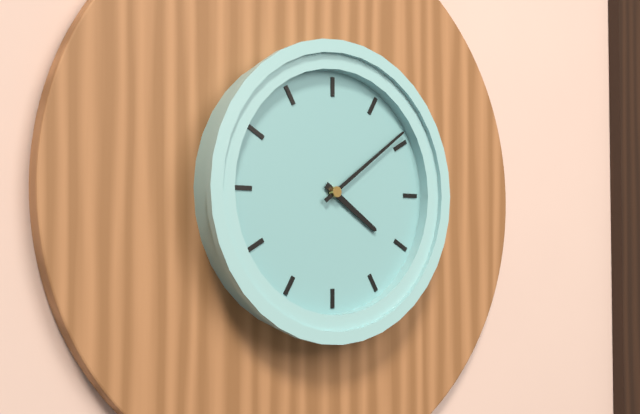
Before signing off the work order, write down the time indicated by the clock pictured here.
4:09
